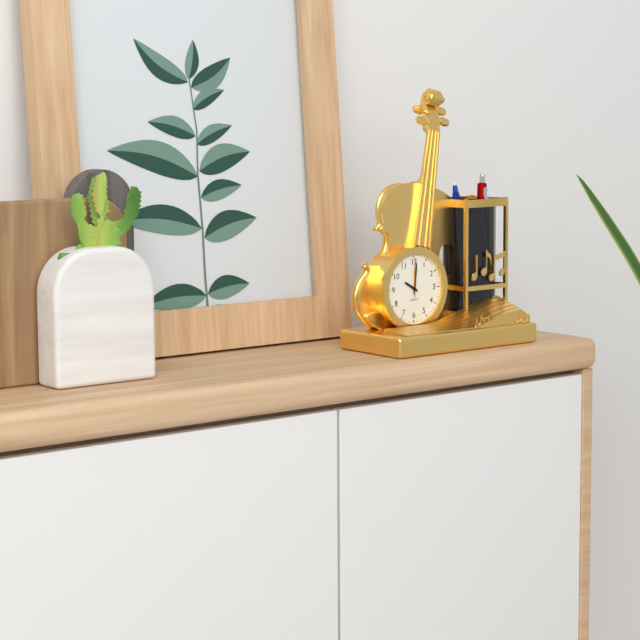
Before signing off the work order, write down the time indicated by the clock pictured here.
10:01
